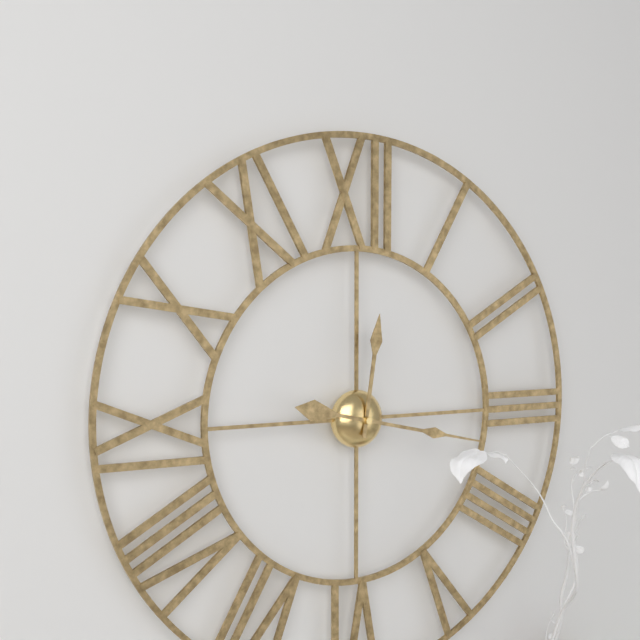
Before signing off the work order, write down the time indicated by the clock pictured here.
12:17
